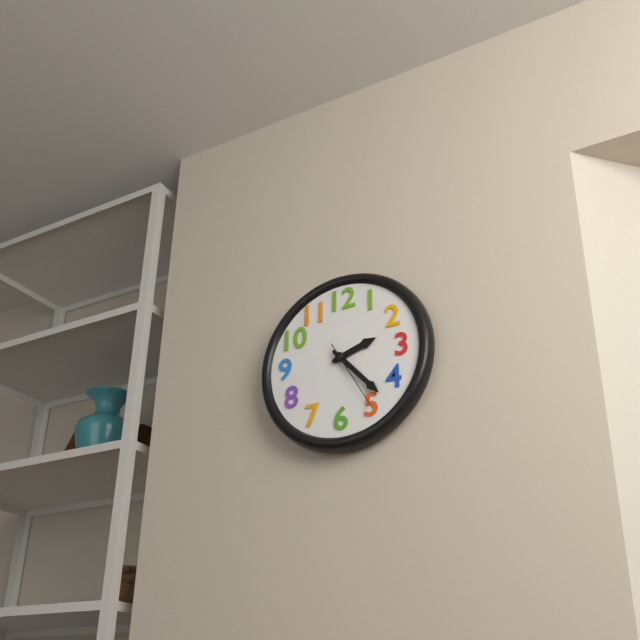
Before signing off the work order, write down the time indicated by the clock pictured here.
2:23:25
